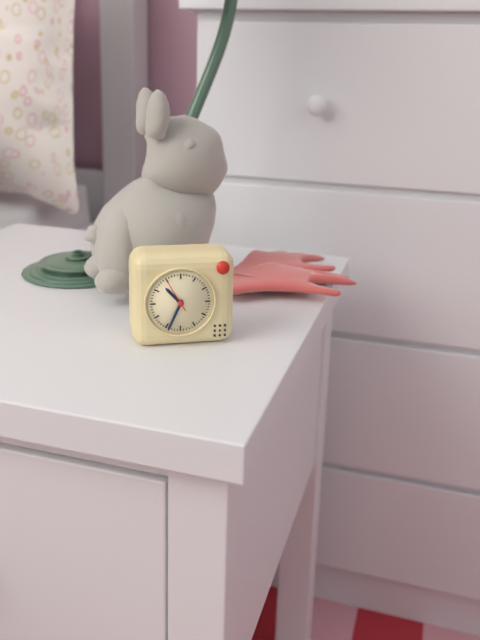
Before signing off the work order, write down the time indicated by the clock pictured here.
10:34
